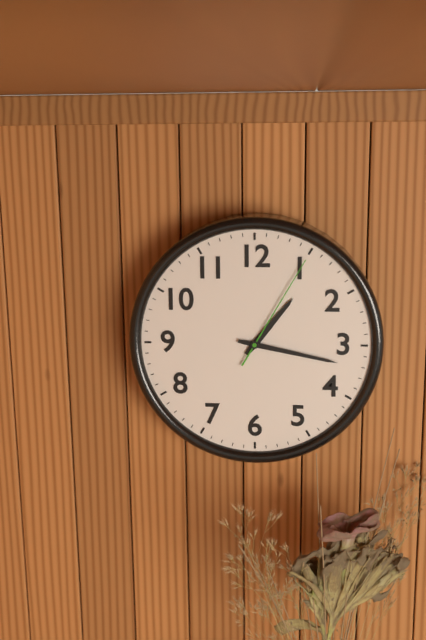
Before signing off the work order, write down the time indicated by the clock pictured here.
1:17:05
